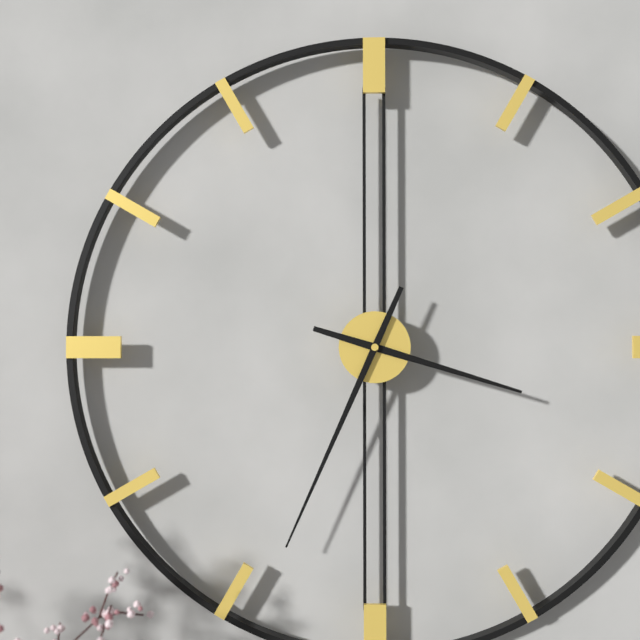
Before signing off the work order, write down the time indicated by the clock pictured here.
3:34
